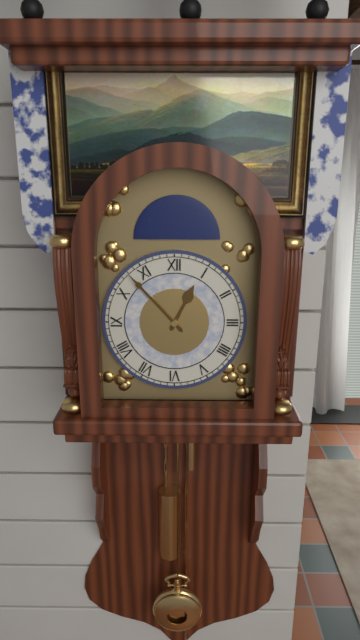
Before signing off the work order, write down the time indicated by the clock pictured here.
12:53
